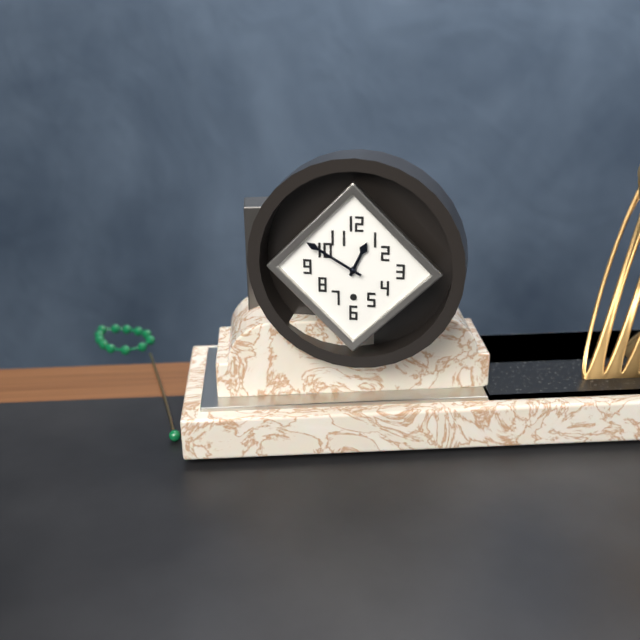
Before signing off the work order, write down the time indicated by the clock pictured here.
12:50
